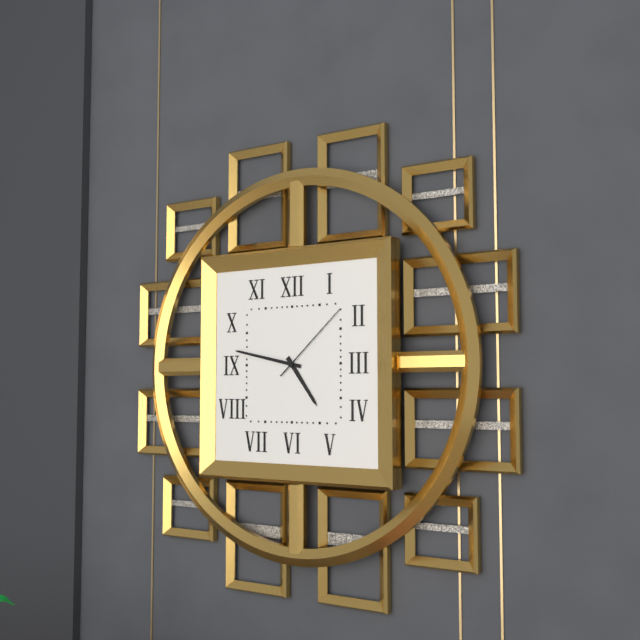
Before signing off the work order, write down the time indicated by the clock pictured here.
4:47:08
